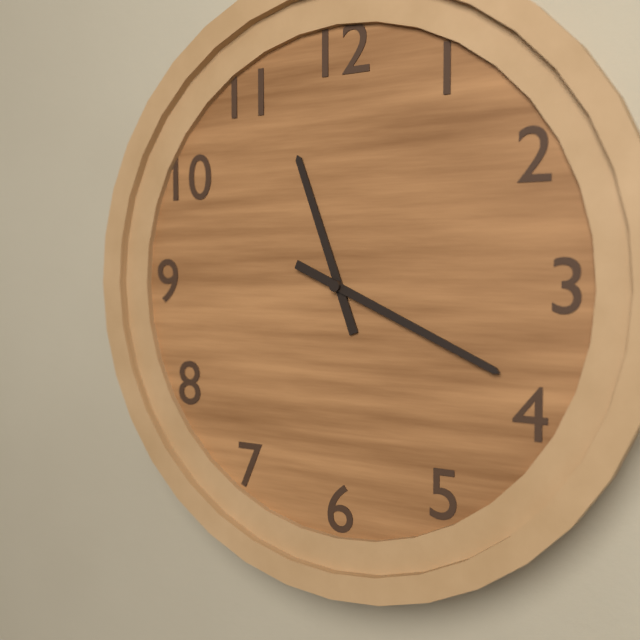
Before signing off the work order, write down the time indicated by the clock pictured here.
11:19
